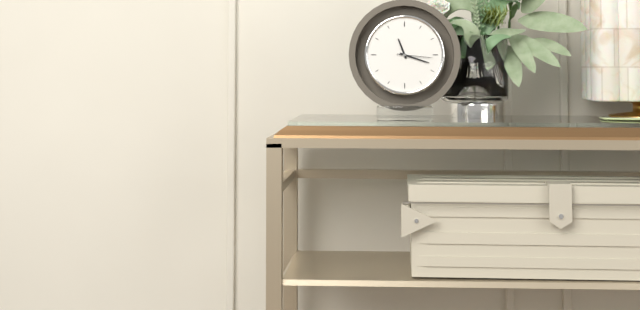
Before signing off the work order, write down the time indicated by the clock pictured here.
11:18
